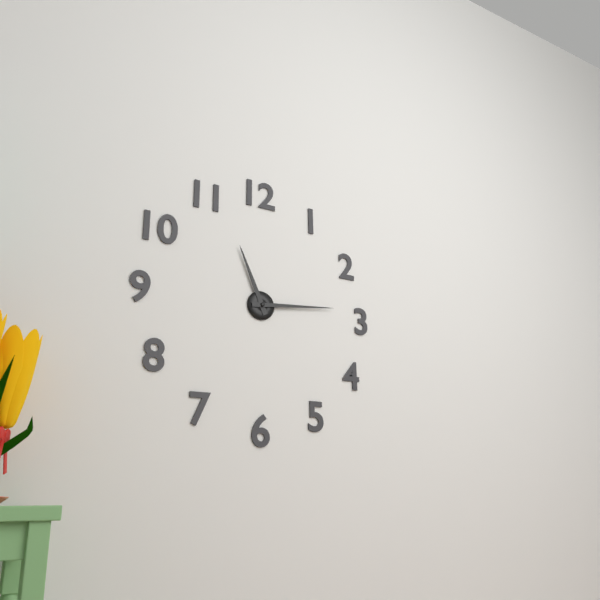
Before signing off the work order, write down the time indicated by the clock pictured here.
11:14
